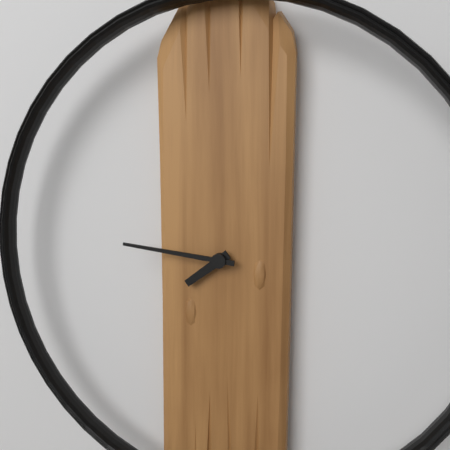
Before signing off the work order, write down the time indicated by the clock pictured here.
7:46
